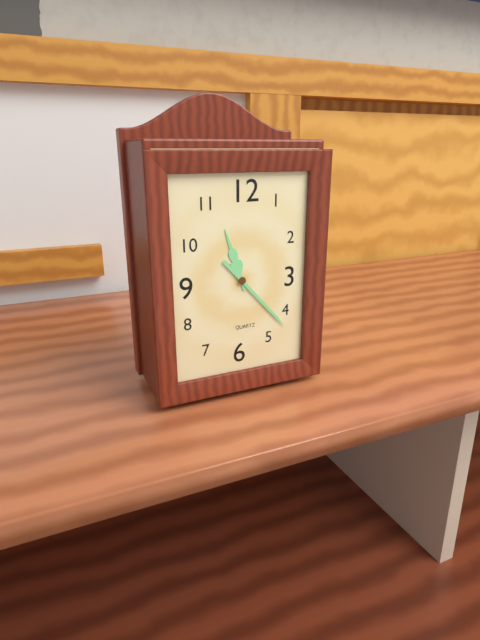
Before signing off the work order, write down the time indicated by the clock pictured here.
11:23
